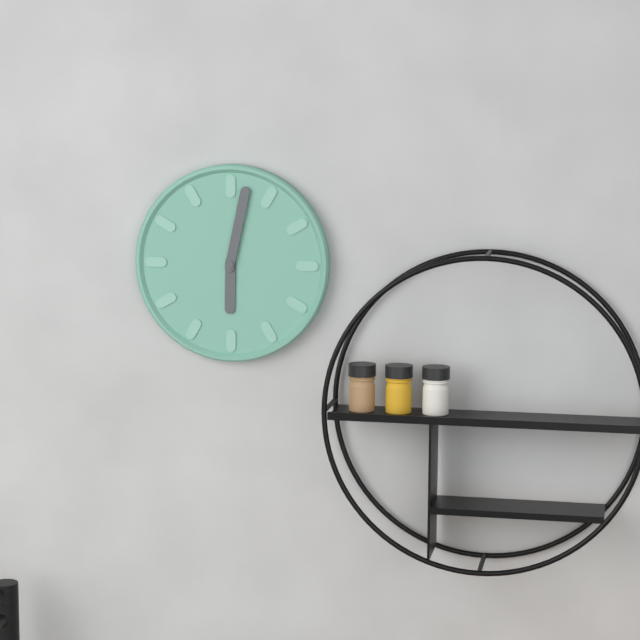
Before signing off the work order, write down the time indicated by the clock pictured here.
6:02
